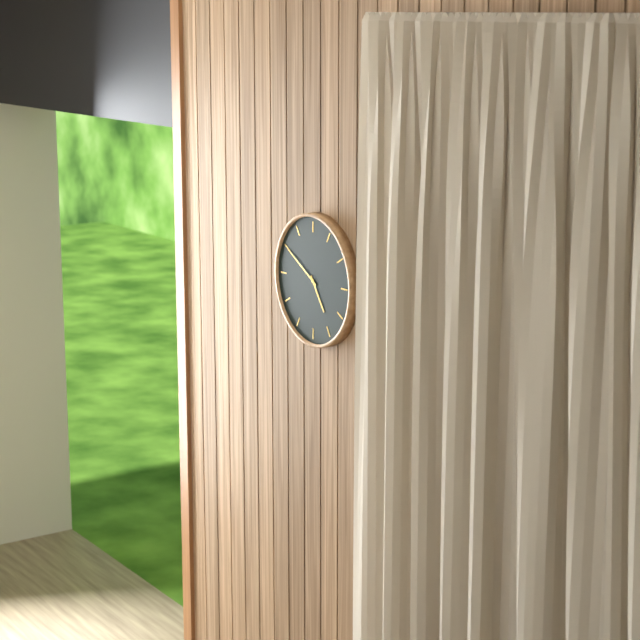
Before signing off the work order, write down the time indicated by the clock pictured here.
4:50
